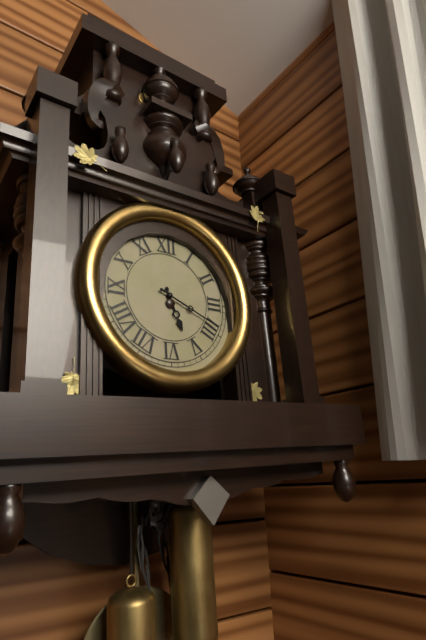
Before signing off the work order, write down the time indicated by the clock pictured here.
5:19
